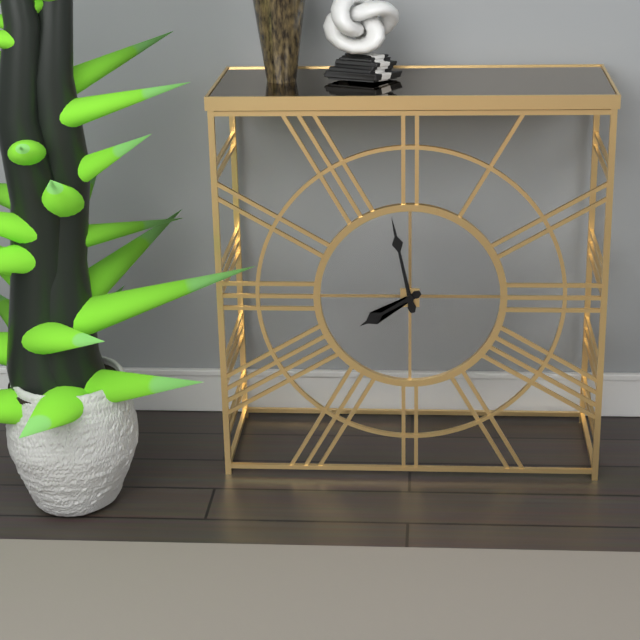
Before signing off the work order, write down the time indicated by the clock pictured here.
7:58
